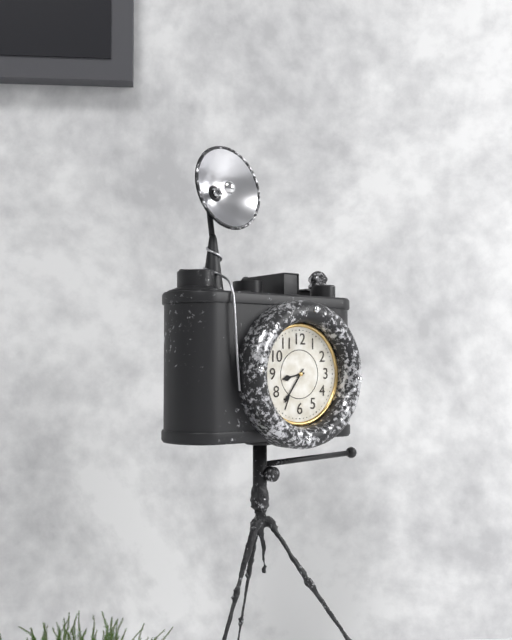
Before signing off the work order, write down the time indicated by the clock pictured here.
8:36
